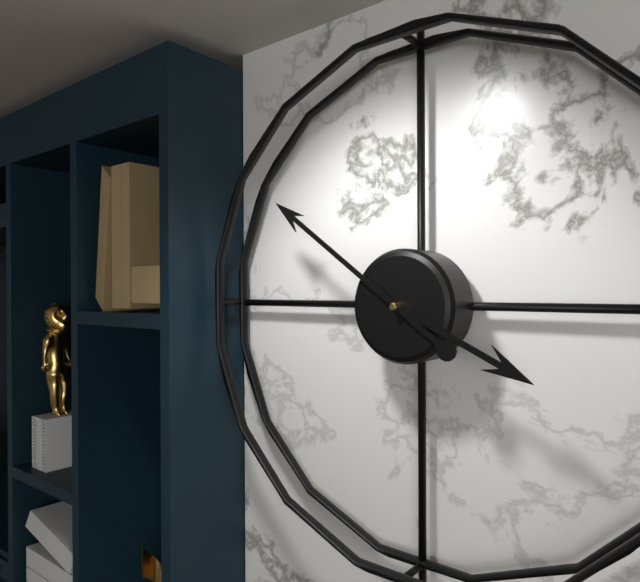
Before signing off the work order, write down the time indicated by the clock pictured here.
3:51
